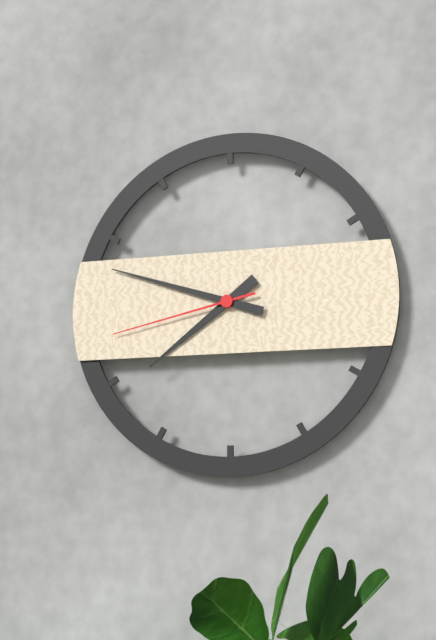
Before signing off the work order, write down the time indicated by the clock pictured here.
7:48:43
